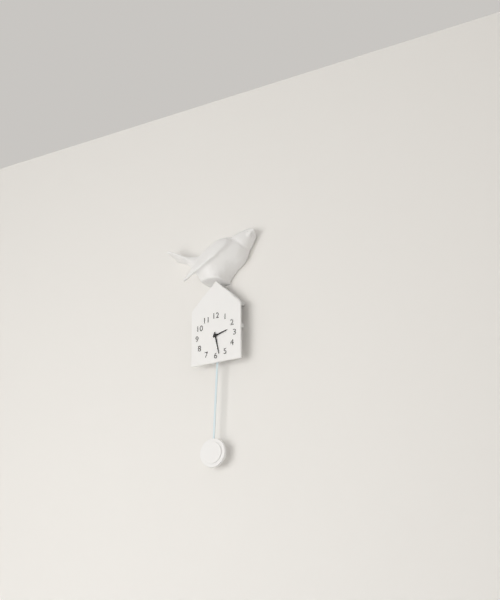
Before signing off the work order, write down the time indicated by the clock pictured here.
2:28
